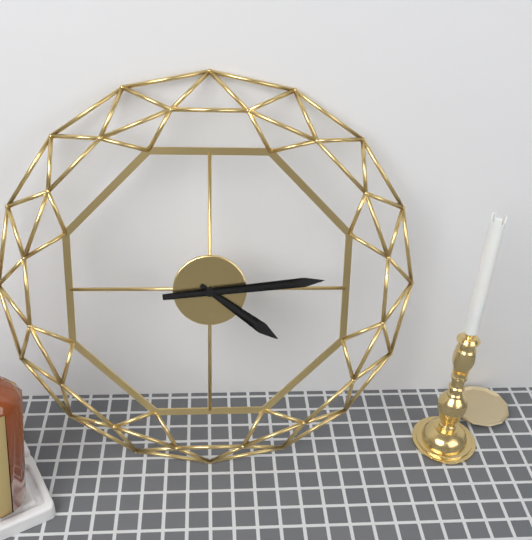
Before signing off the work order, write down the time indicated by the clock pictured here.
4:14
